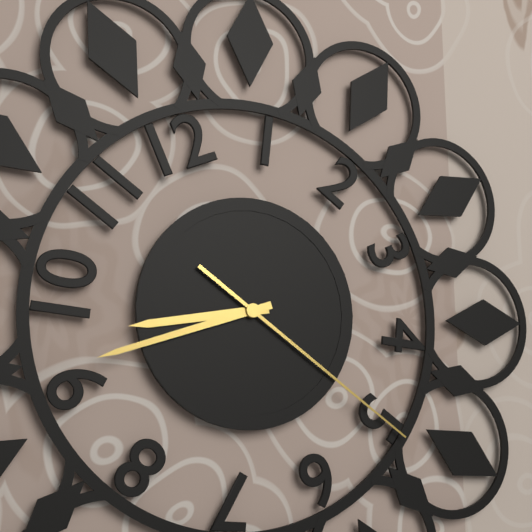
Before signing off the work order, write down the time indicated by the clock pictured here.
8:42:21
